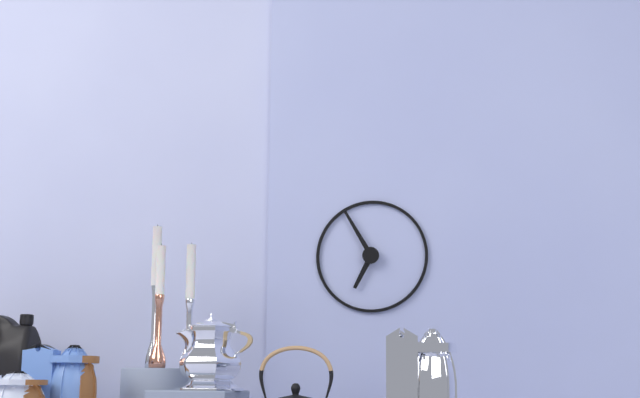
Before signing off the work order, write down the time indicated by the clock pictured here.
6:55
